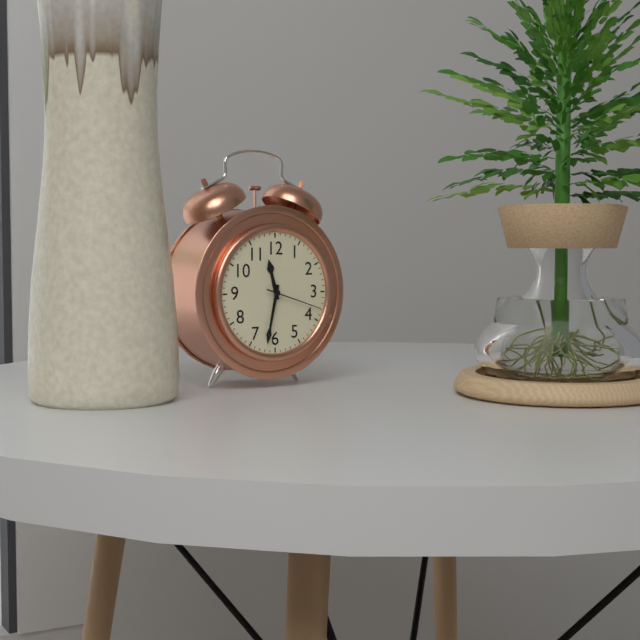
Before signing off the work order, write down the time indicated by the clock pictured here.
11:32:18
